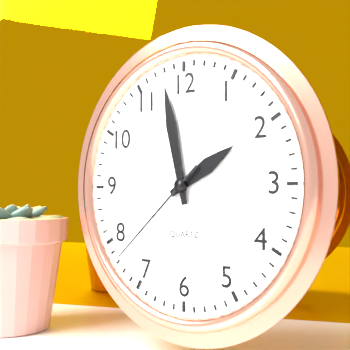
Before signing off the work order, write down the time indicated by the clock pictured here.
1:58:38
